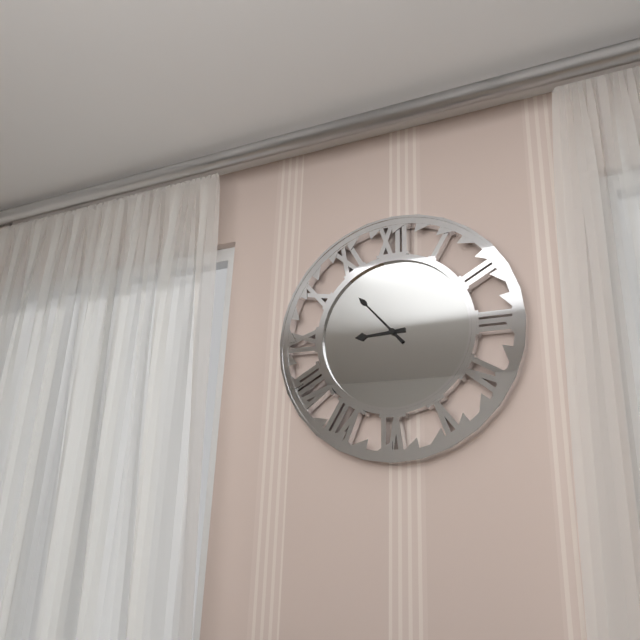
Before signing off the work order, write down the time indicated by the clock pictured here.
8:53
